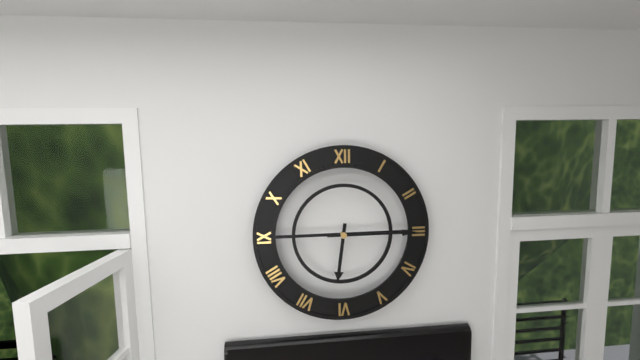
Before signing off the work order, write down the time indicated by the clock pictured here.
6:15
